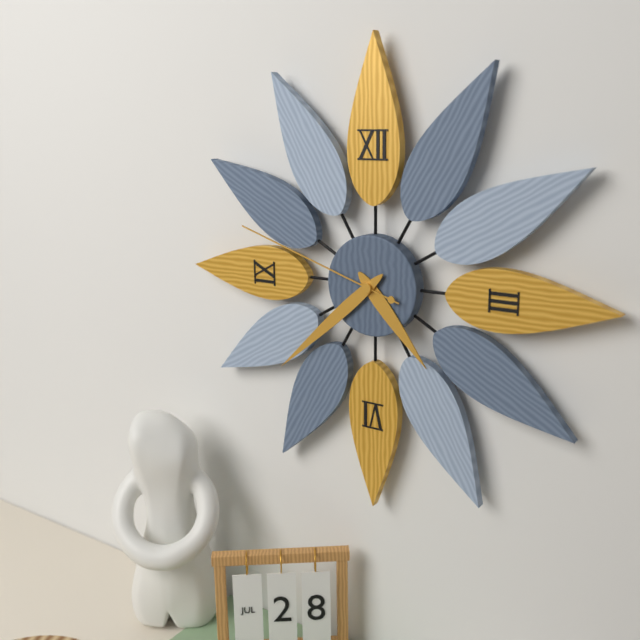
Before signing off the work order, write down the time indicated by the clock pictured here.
4:38:48
